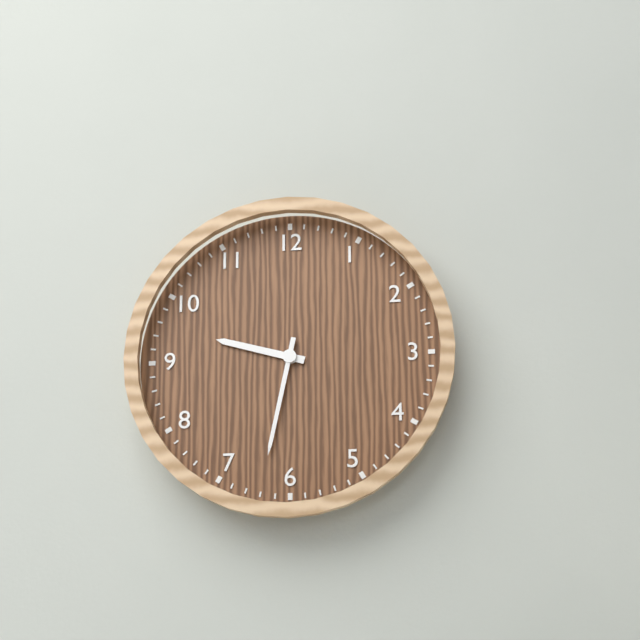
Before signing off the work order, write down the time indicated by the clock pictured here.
9:32
